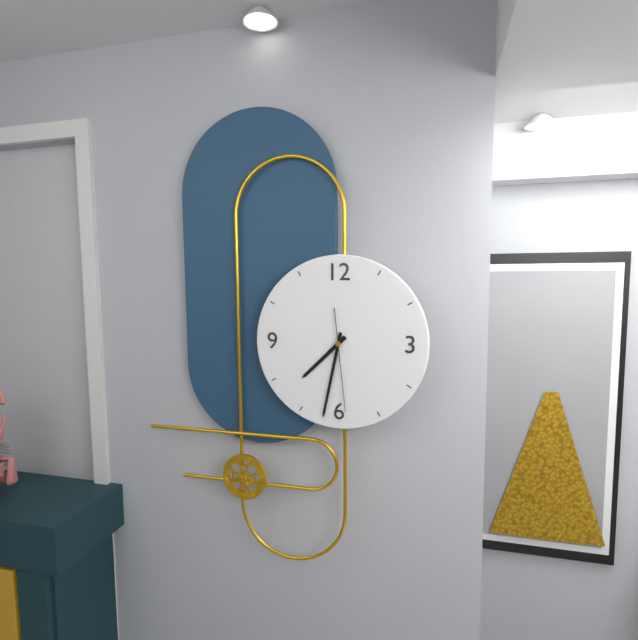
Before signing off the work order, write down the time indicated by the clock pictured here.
7:32:29
